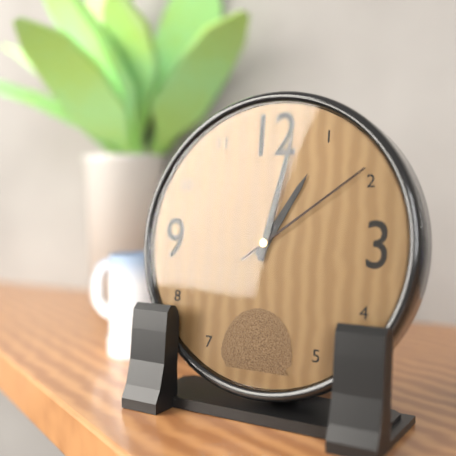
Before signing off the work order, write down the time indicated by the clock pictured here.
1:02:09
